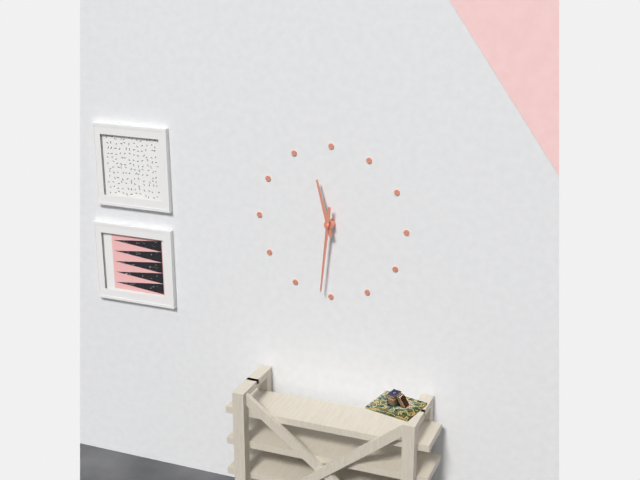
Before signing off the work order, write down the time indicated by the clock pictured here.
11:31
